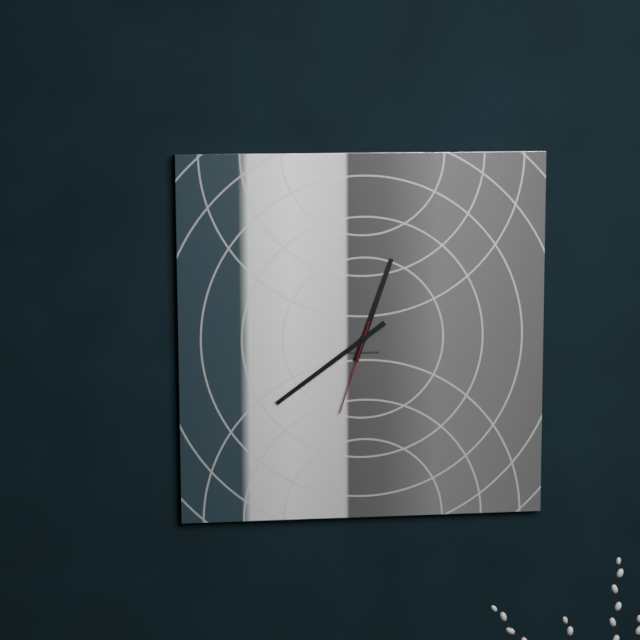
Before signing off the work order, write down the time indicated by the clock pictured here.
12:39:33
